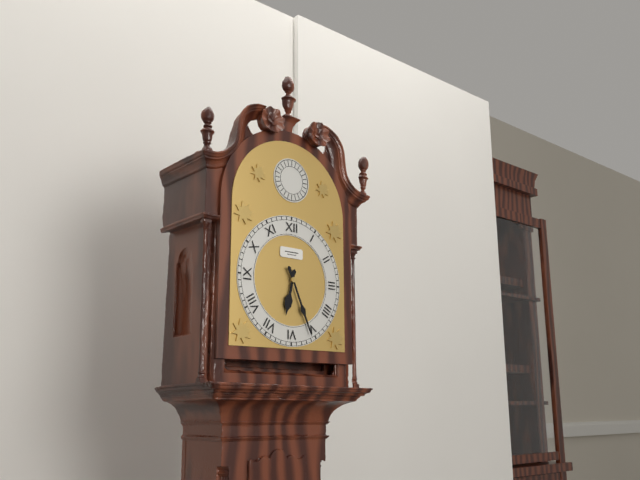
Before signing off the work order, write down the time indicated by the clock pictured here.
6:26
